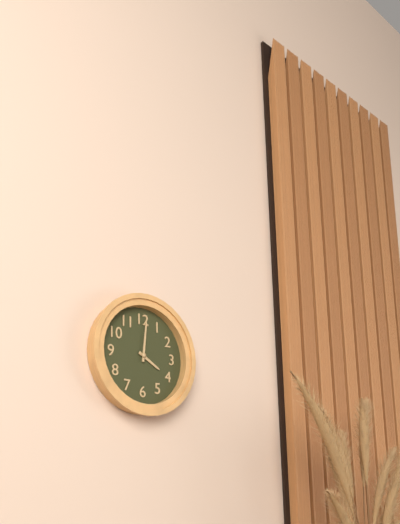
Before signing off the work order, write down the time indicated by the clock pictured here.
4:01
